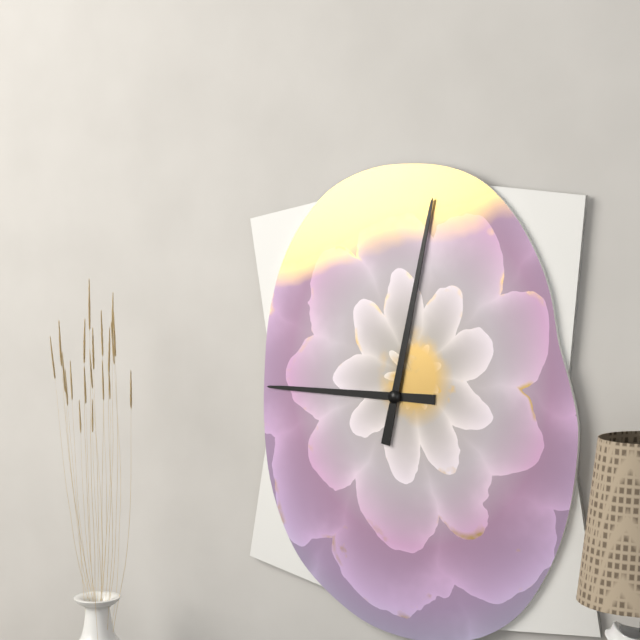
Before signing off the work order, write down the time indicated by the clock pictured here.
9:02
